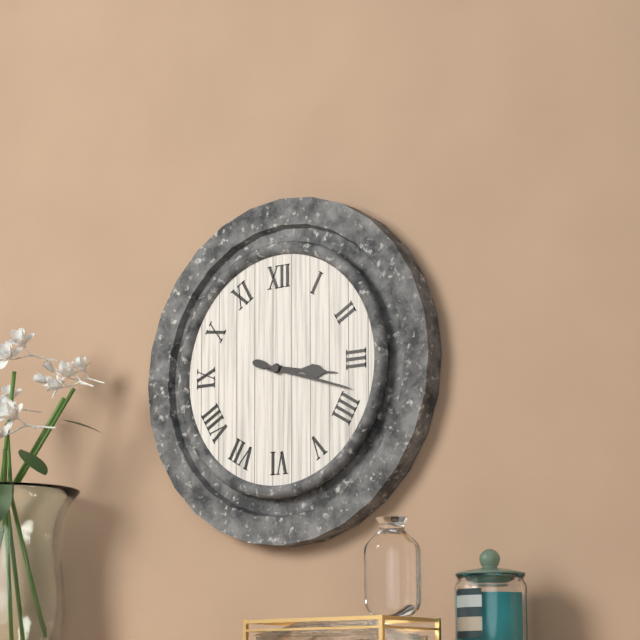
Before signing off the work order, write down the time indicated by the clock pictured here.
3:18
